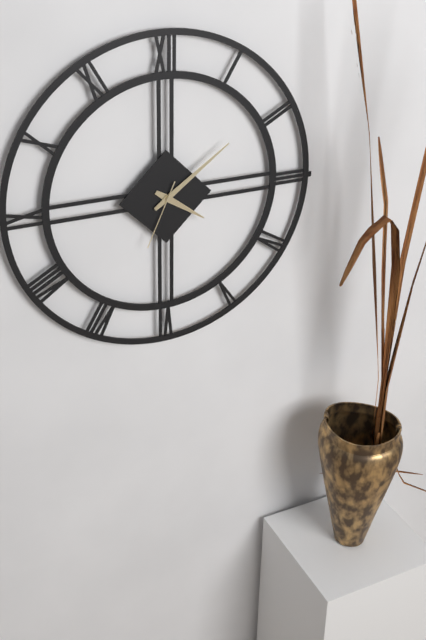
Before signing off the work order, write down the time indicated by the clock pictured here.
4:09:34
